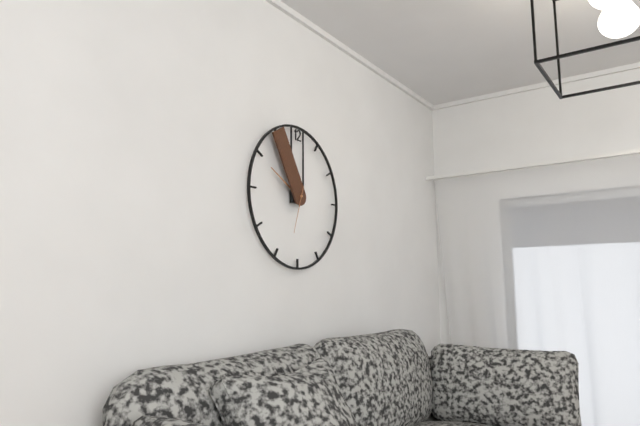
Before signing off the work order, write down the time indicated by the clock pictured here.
9:55
